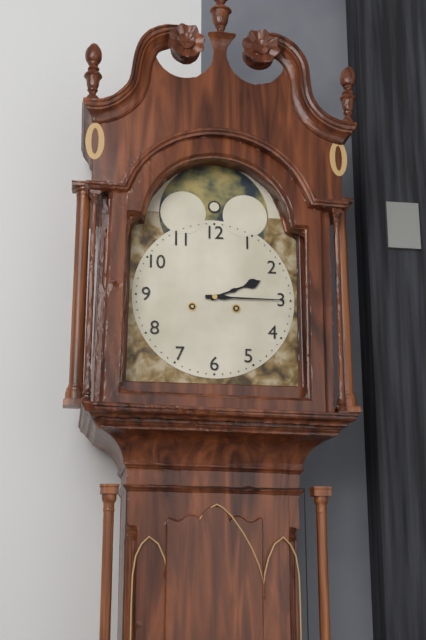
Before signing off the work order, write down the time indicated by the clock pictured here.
2:15
